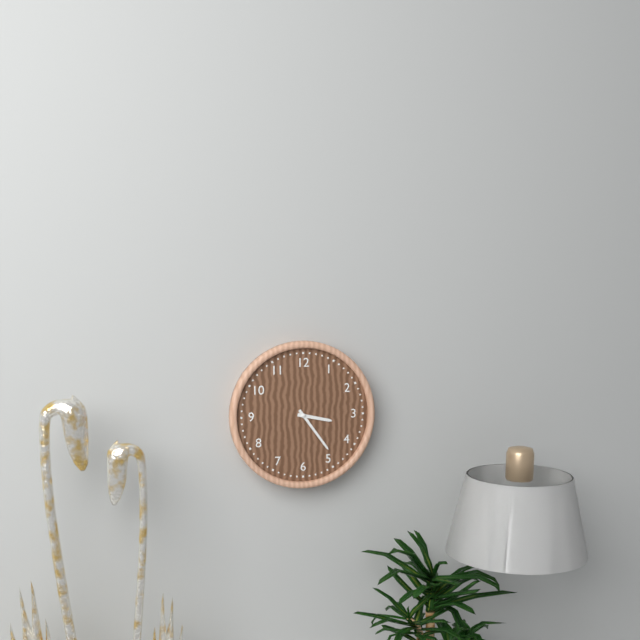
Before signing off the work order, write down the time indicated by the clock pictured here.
3:24
